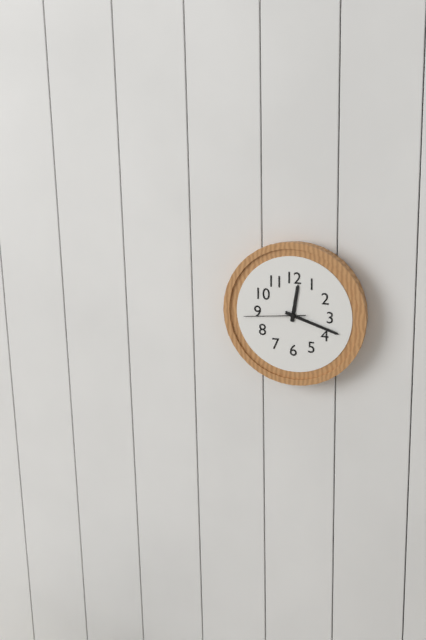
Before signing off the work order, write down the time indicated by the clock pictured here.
12:18:44
